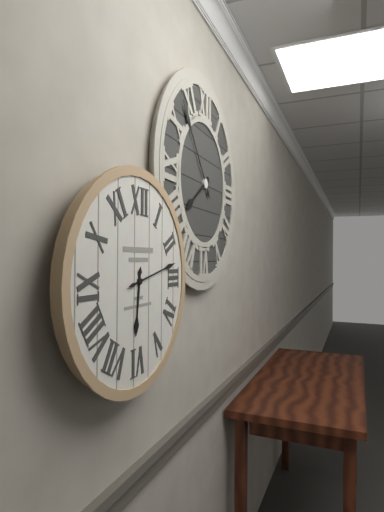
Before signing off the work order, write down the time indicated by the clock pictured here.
6:13
